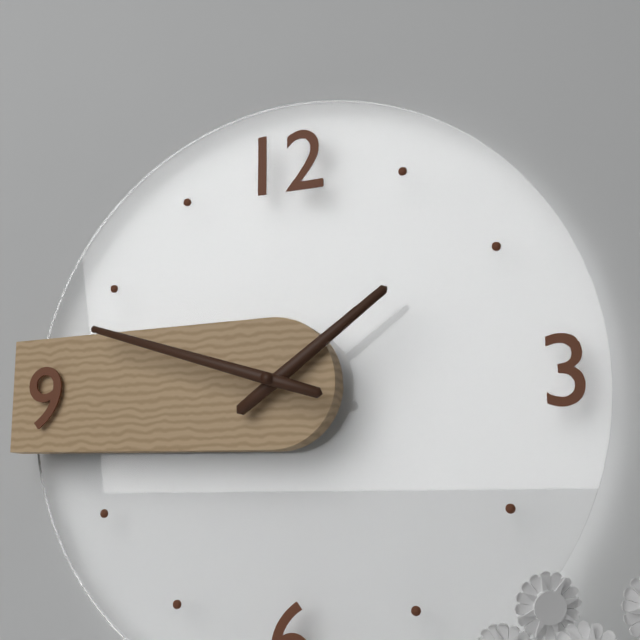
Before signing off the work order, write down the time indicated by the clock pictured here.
1:48
